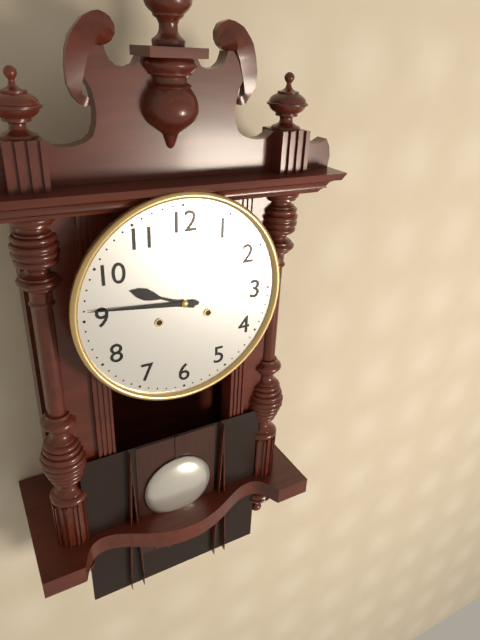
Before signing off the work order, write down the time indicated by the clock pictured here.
9:46
